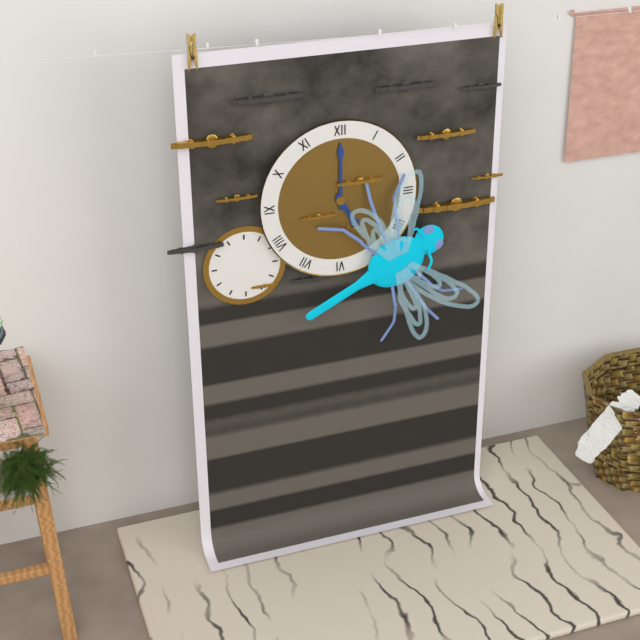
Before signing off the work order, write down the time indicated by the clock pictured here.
5:00
